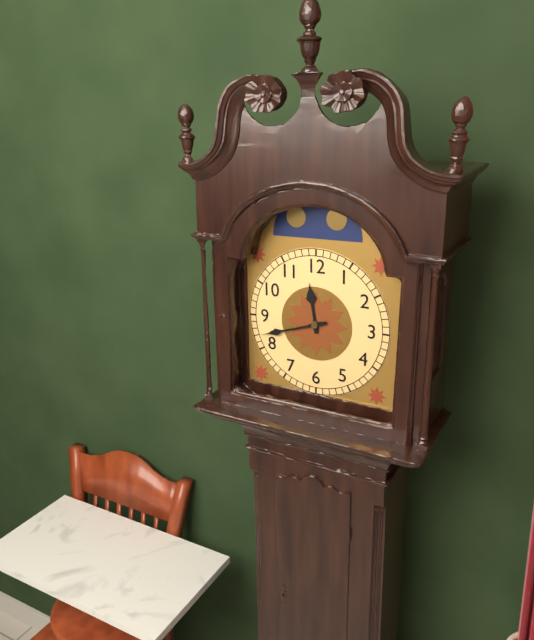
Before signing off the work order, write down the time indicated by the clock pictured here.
11:42
